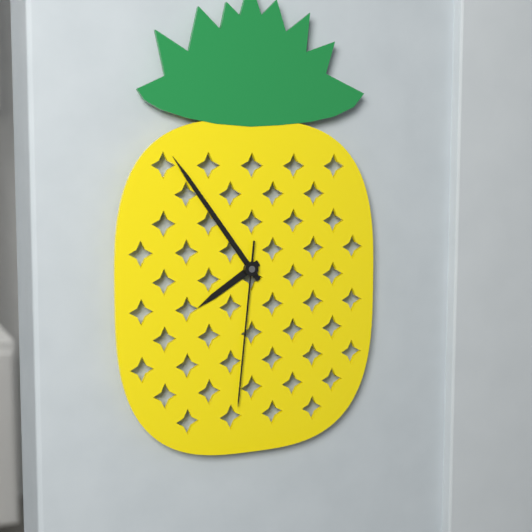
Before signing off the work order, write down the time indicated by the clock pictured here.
7:54:31
